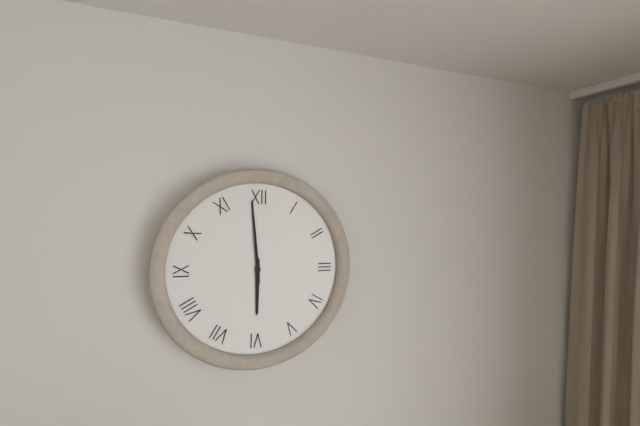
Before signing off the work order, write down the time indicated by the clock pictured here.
5:59
